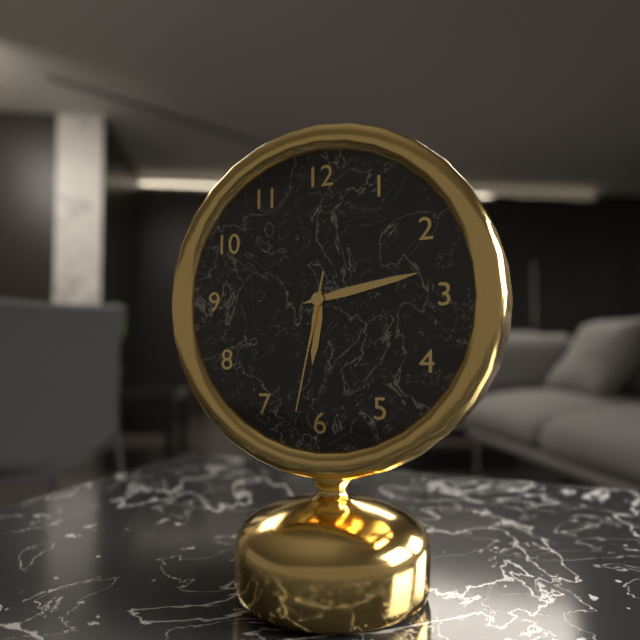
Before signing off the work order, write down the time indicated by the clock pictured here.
6:13:32
